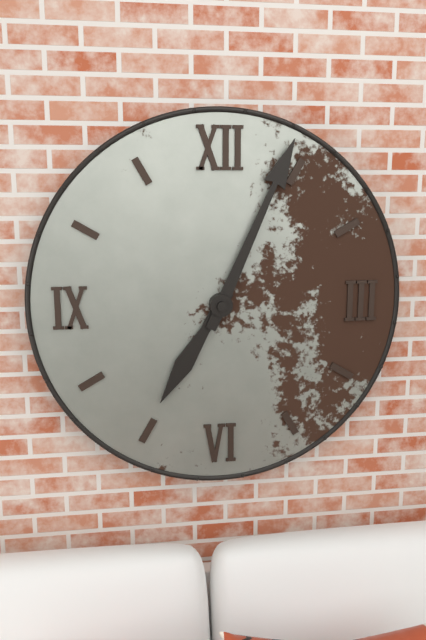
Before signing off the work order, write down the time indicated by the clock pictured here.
7:04
